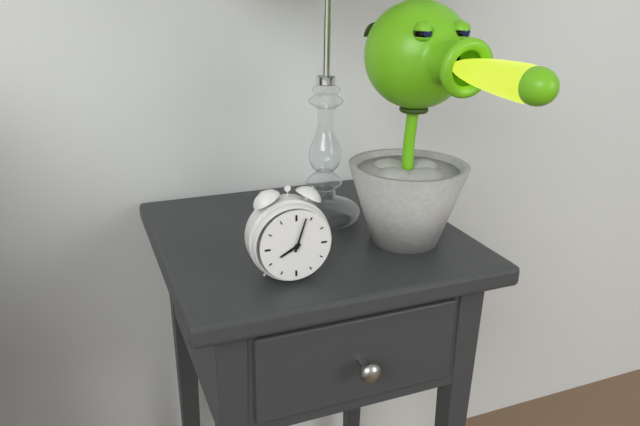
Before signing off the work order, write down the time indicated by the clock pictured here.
8:03
